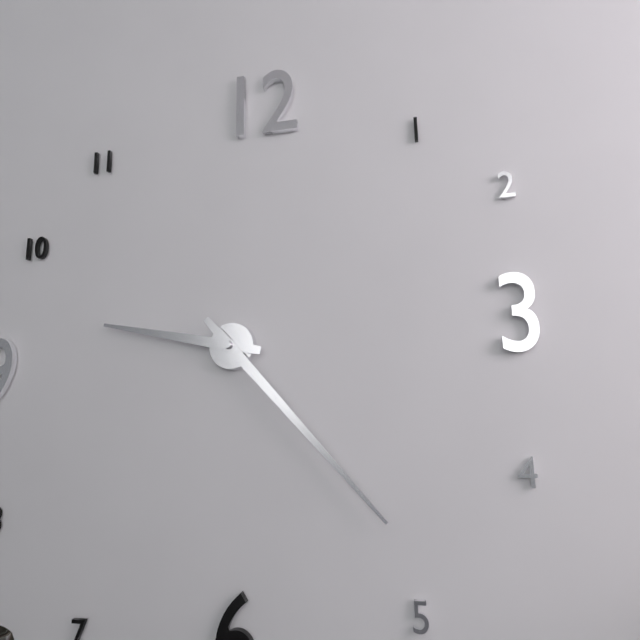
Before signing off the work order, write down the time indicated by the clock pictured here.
9:23
